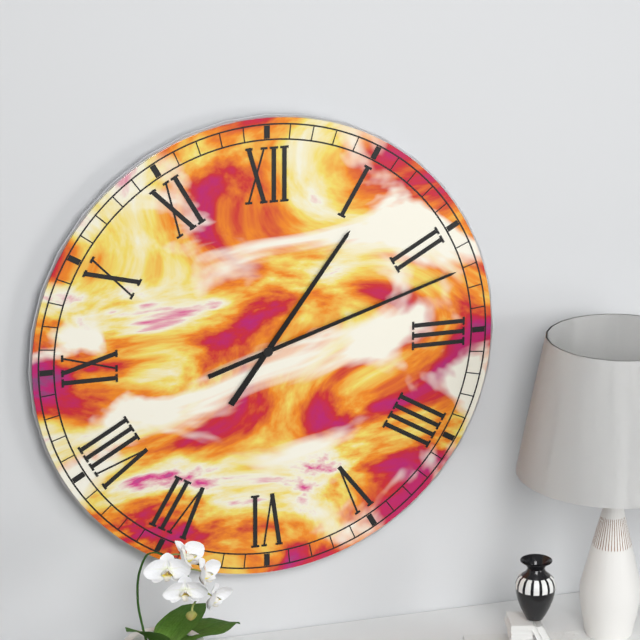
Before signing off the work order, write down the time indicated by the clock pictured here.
1:12
